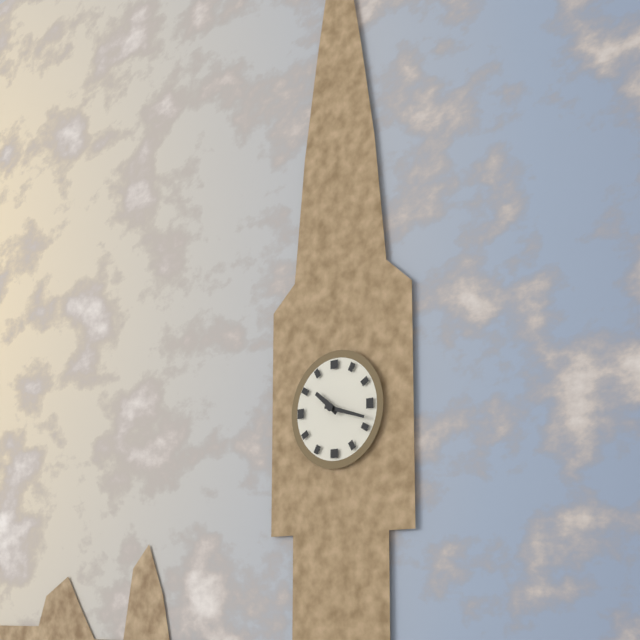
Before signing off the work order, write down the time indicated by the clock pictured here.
10:18
